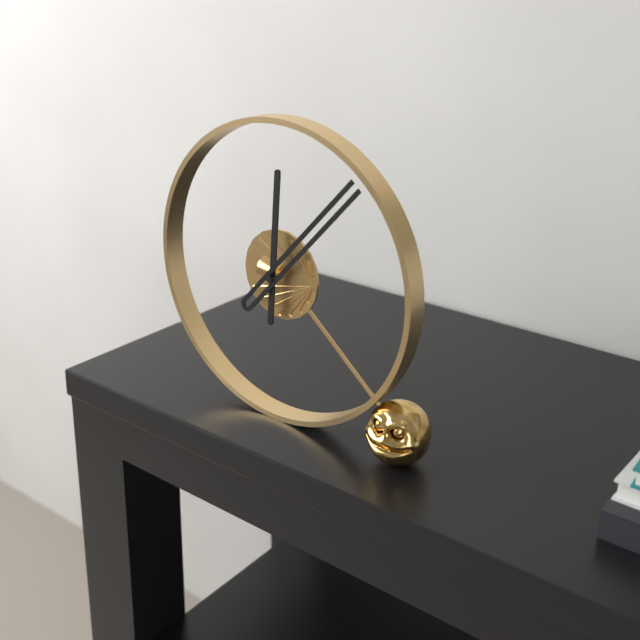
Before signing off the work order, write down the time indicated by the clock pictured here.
12:07
